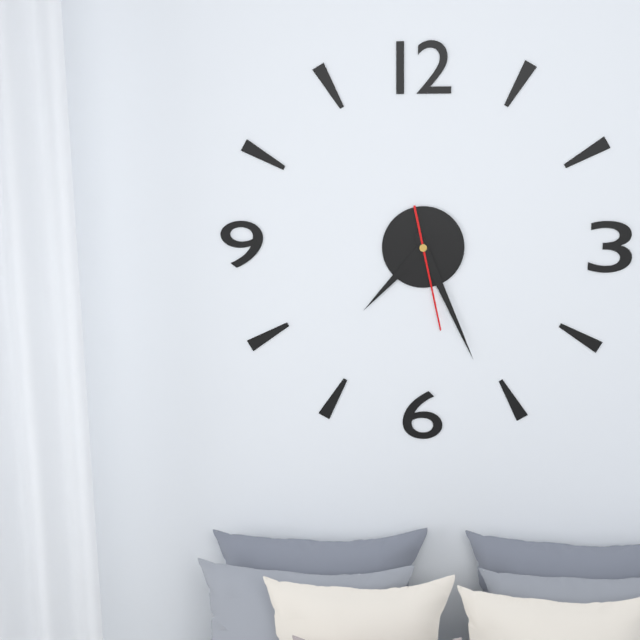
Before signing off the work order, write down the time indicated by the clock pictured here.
7:26:28
